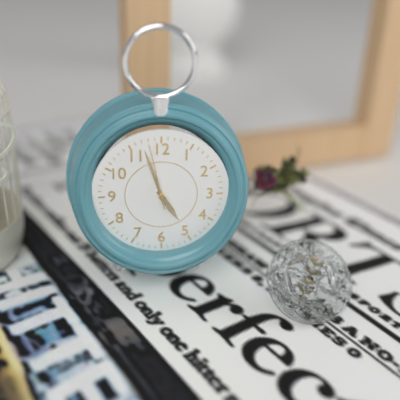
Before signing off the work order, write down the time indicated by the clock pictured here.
4:57:58
